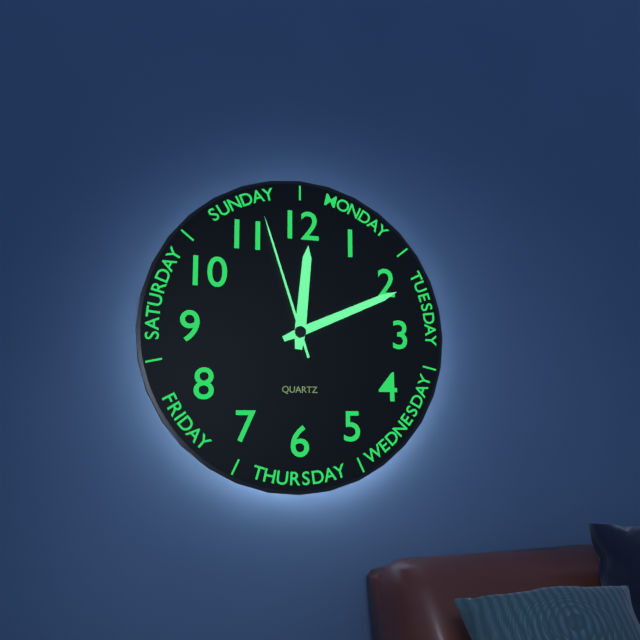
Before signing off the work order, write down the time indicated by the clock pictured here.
12:11:57
